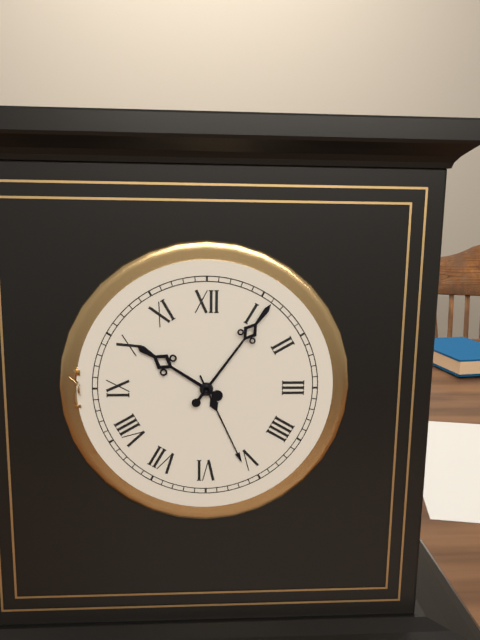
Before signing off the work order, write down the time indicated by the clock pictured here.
10:06
